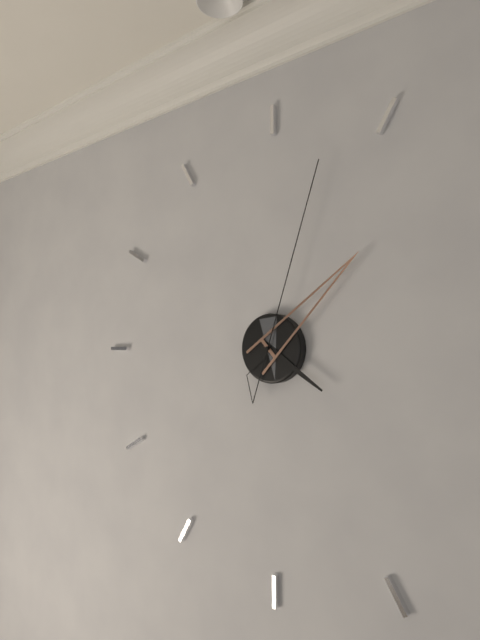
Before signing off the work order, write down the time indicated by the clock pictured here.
4:08:03
